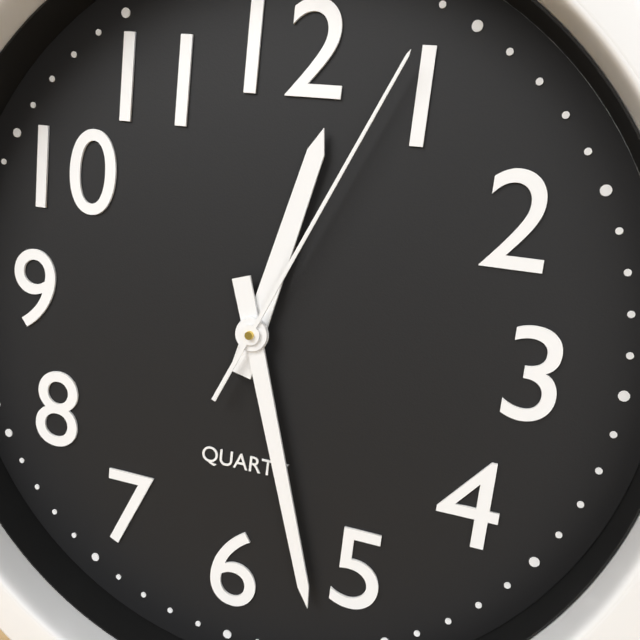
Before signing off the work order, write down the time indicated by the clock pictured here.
12:27:04
